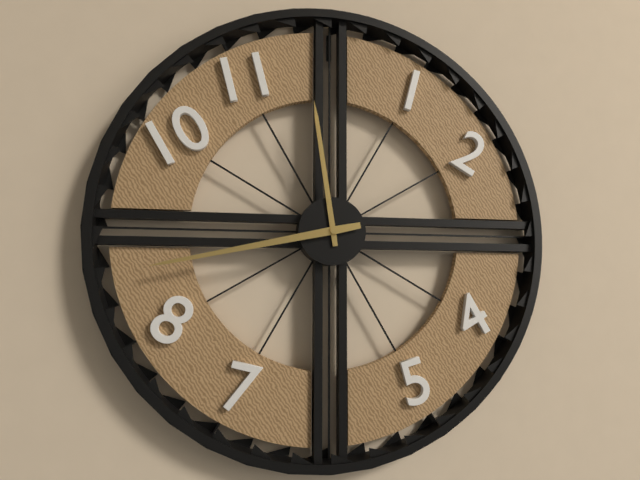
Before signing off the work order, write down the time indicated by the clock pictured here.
11:43
